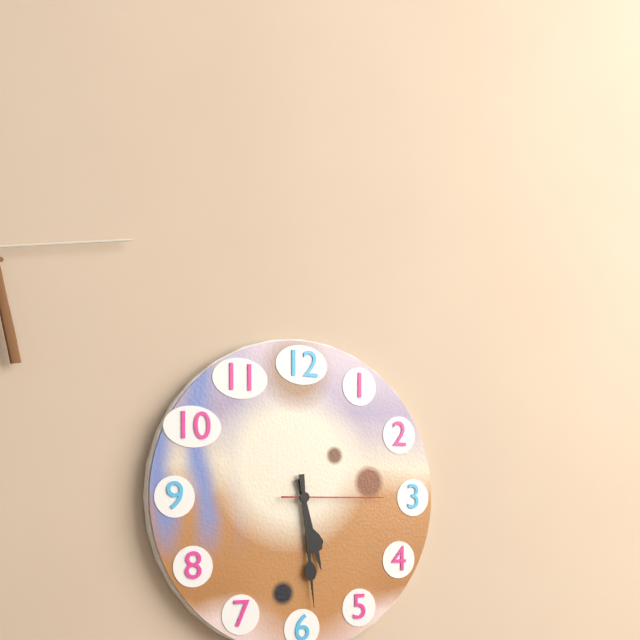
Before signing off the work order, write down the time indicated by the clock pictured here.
5:29:15
